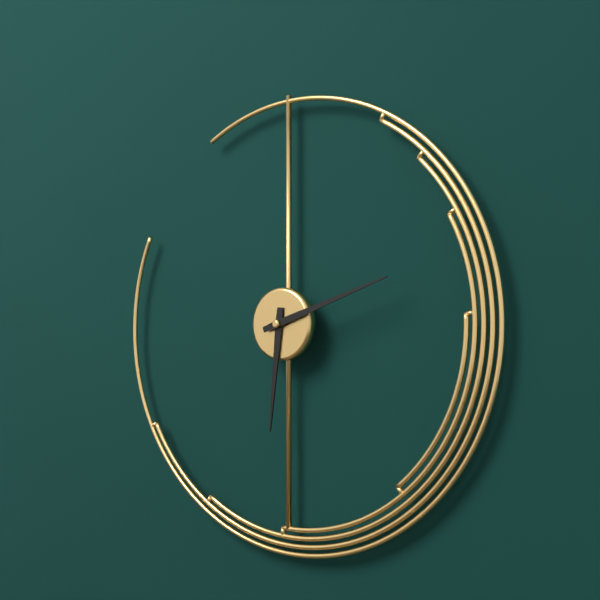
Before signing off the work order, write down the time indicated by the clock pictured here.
6:12
